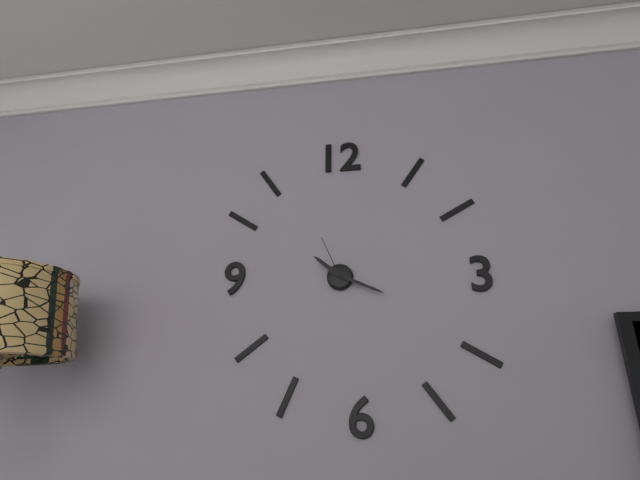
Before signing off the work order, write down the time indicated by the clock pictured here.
10:19:56
